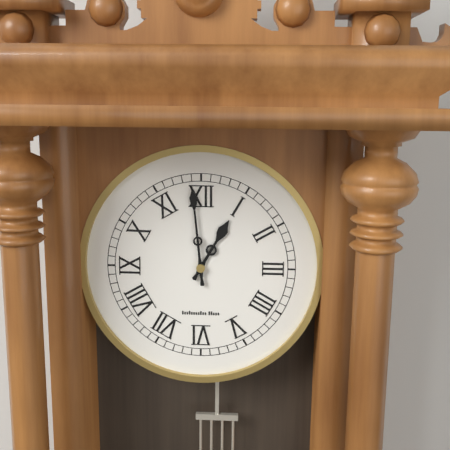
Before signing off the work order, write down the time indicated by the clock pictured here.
12:59
